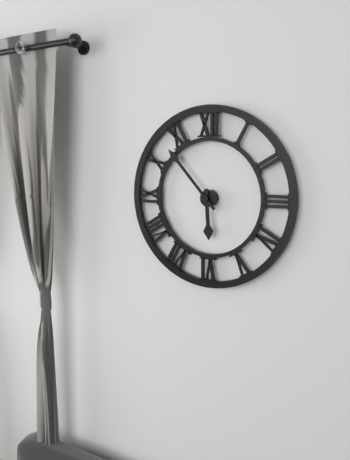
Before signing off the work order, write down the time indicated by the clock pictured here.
5:53
